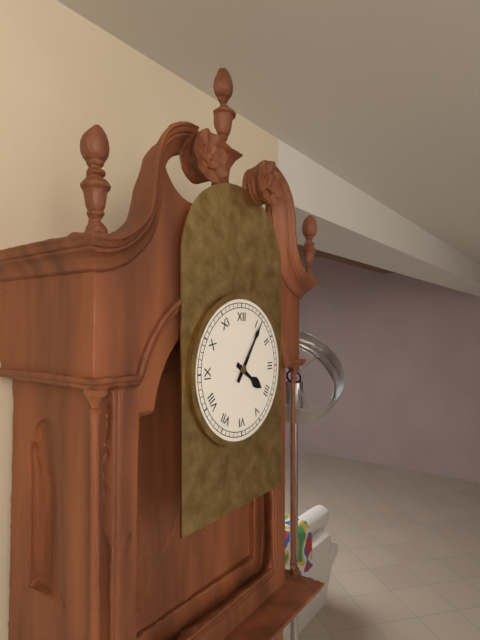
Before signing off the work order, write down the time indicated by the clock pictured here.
4:06
